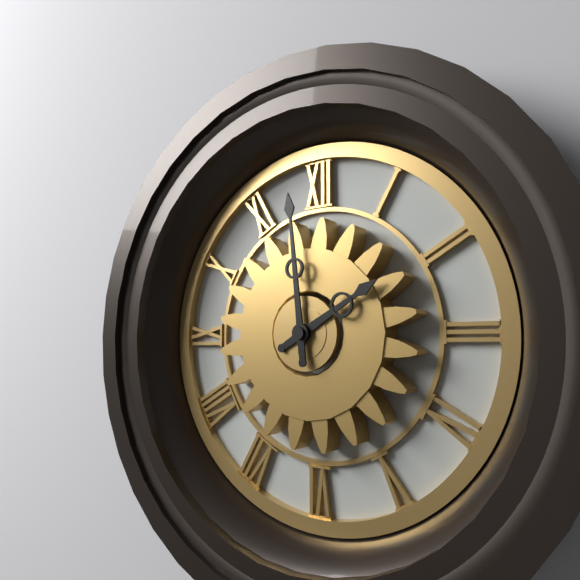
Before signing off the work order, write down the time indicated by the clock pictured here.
1:59
